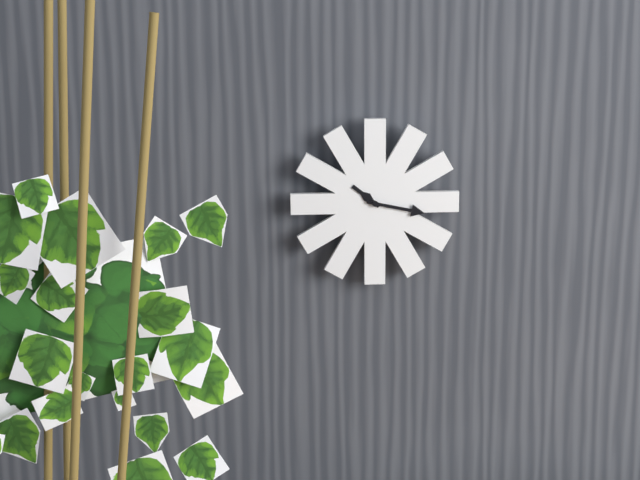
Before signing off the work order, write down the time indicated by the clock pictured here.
10:17
